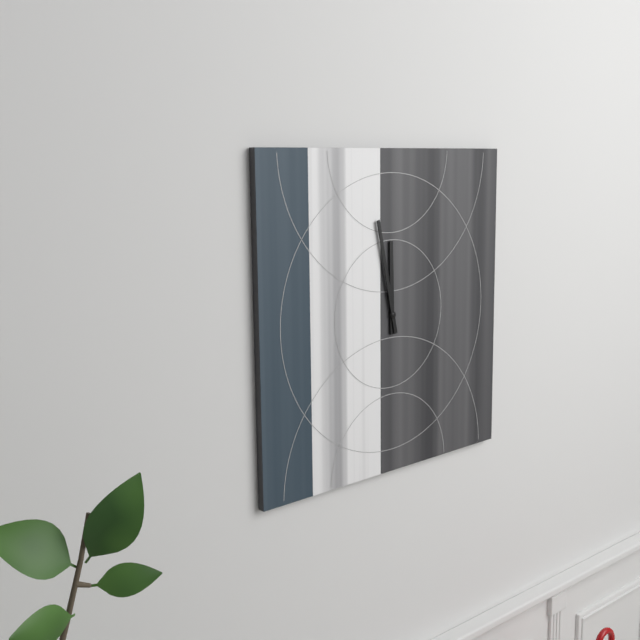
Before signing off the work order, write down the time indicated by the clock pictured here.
11:58
